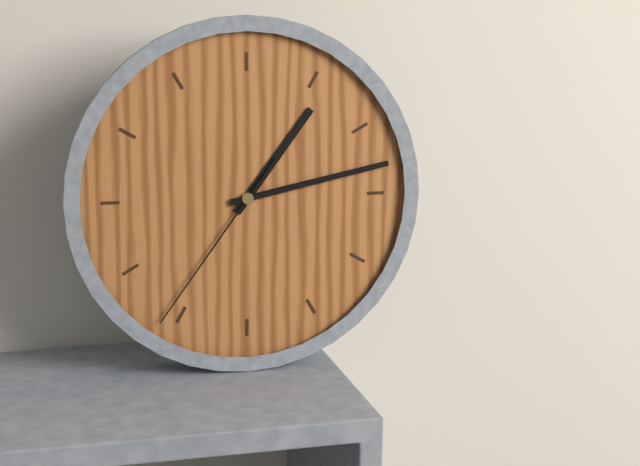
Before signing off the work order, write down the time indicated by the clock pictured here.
1:13:36
